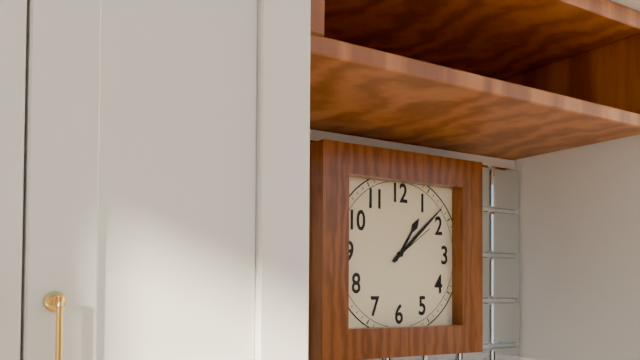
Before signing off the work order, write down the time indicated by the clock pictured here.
1:08
